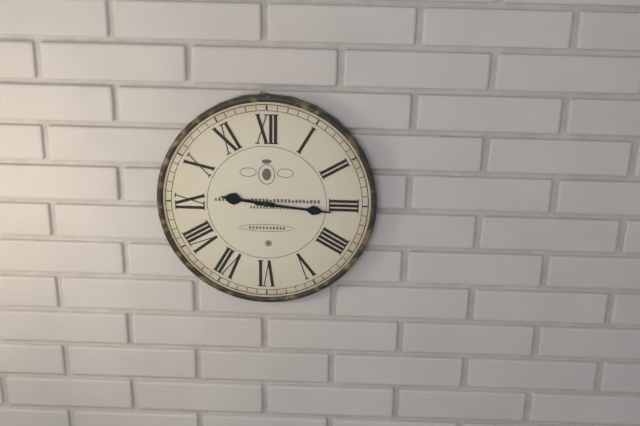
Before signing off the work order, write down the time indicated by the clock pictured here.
9:16
